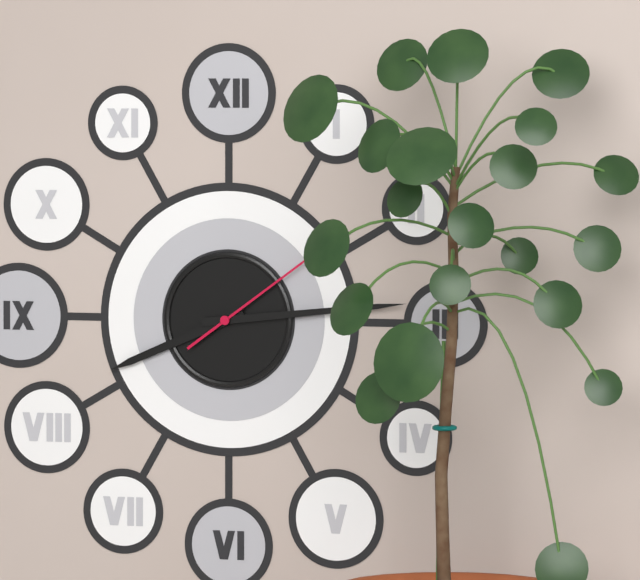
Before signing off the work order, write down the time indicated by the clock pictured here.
8:14:09
